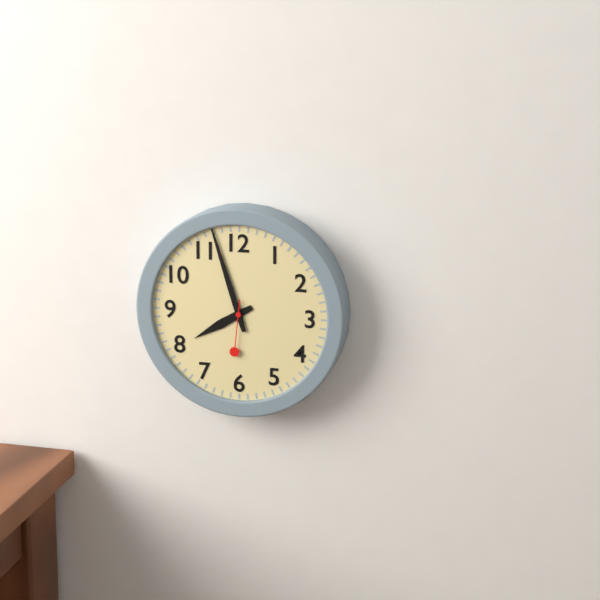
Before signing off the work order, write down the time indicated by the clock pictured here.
7:57:31
